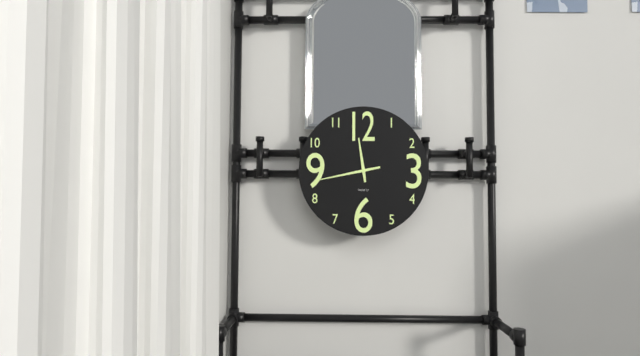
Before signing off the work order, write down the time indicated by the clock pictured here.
11:43
